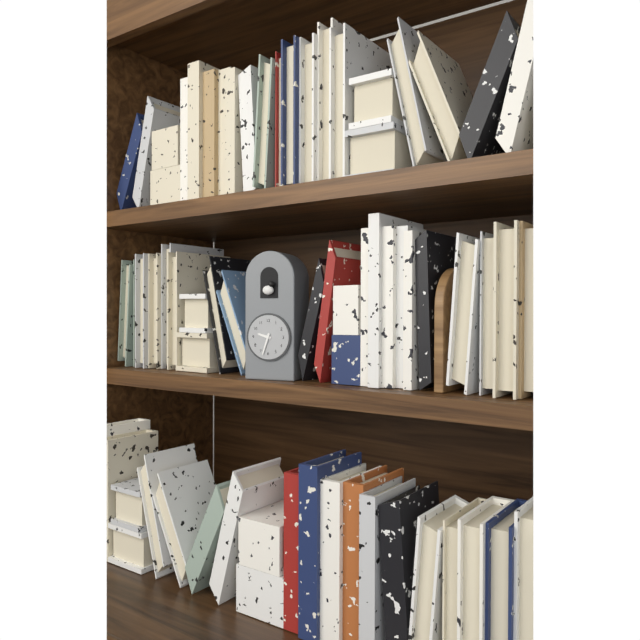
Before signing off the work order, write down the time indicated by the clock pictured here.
9:33
